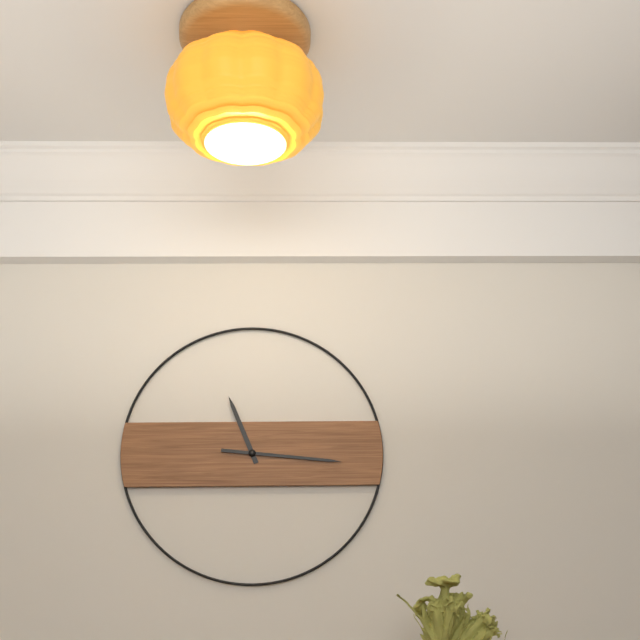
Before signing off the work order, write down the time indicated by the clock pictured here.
11:16
